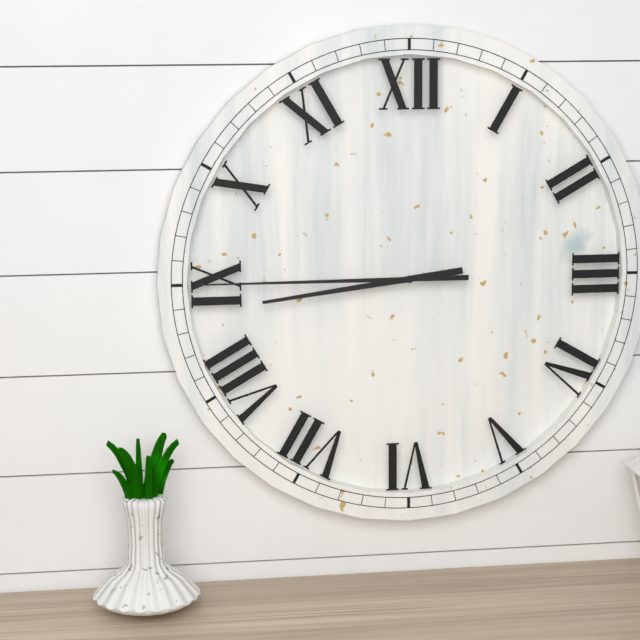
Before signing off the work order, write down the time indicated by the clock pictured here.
8:45
